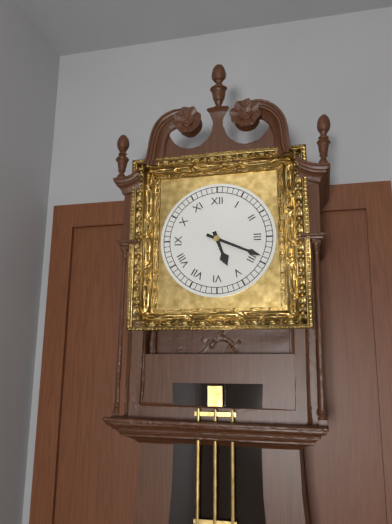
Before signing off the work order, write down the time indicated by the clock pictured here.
5:19
